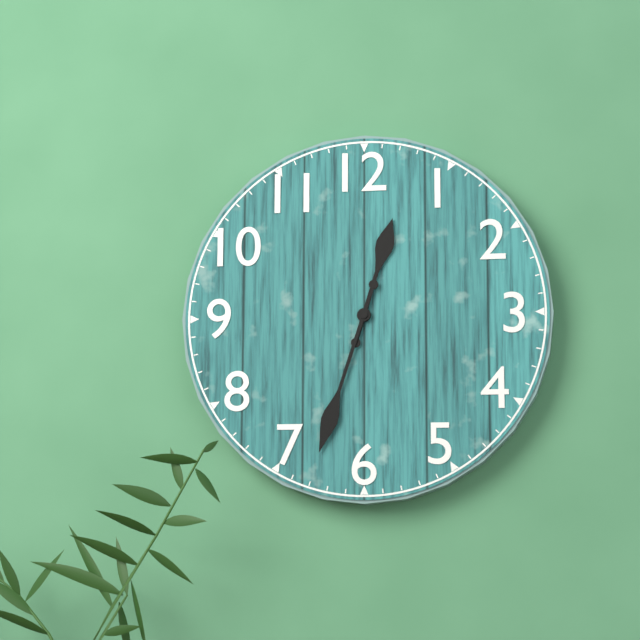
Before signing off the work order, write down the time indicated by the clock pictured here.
12:33
